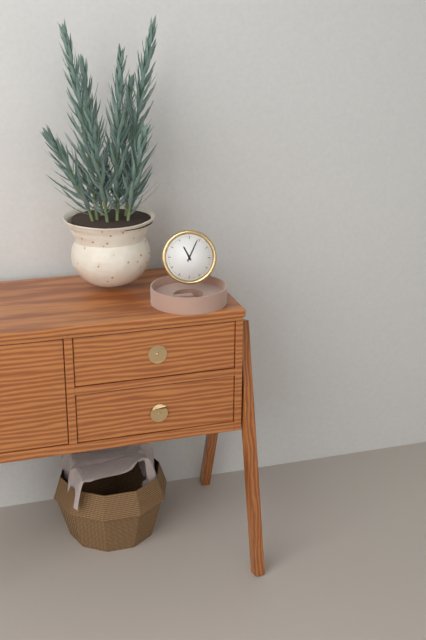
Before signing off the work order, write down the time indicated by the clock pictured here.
11:04
